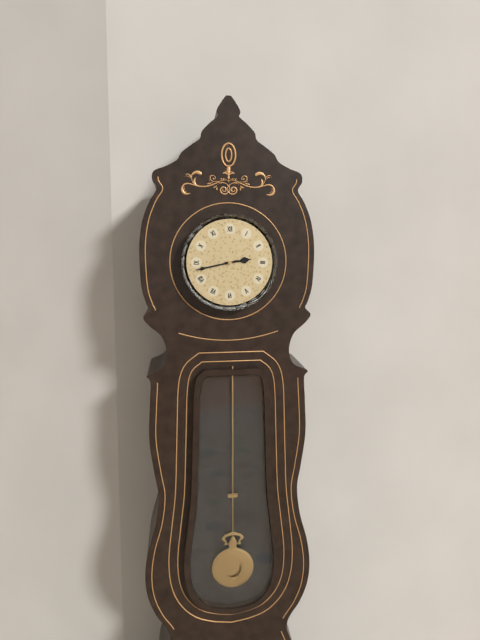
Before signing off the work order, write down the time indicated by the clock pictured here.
2:43
